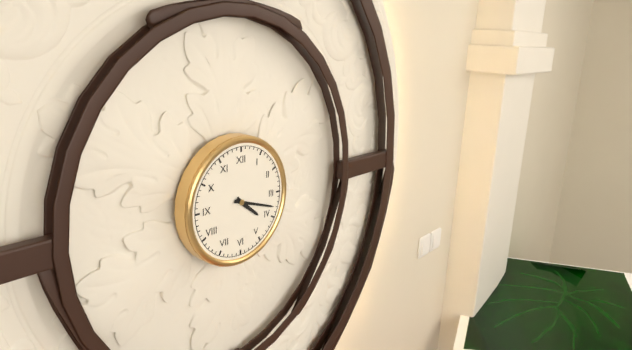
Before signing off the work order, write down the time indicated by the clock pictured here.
4:18
